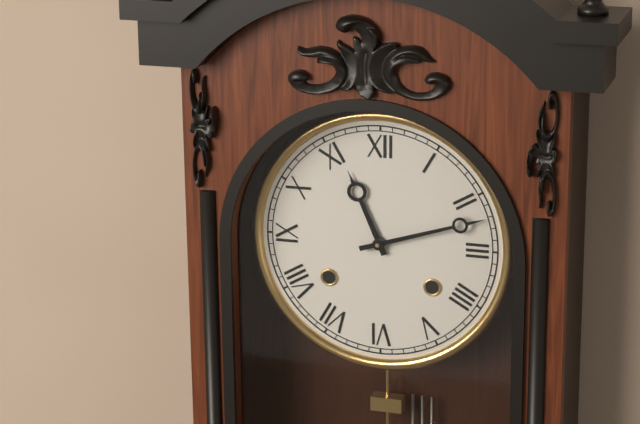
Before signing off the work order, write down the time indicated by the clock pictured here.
11:12
